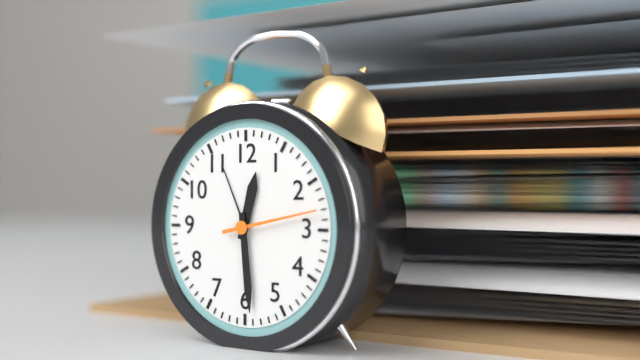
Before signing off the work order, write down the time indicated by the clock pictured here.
12:29:13
